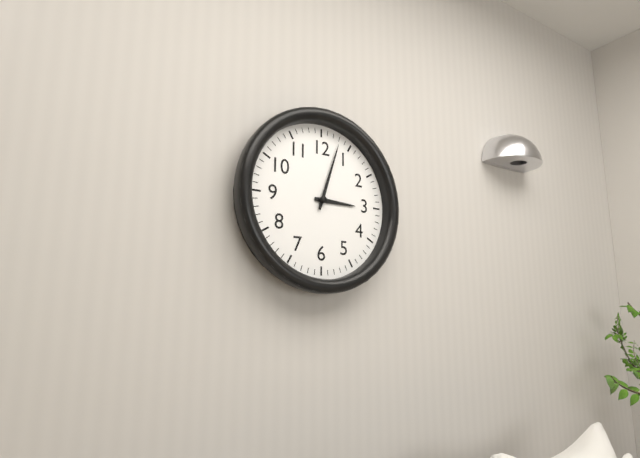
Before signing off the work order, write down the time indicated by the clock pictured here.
3:03
